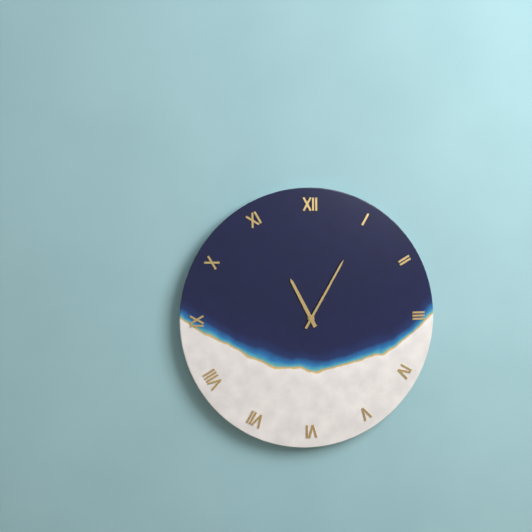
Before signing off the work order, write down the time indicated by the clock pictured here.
11:05
